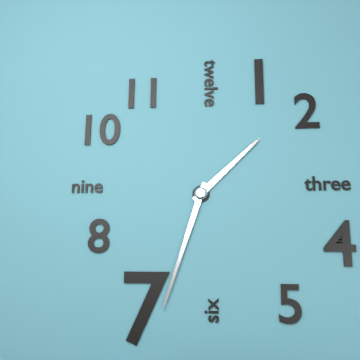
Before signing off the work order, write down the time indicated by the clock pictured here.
1:33
